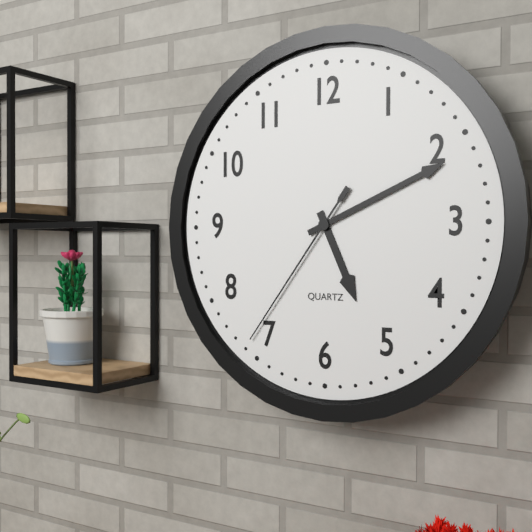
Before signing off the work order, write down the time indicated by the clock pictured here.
5:11:36
